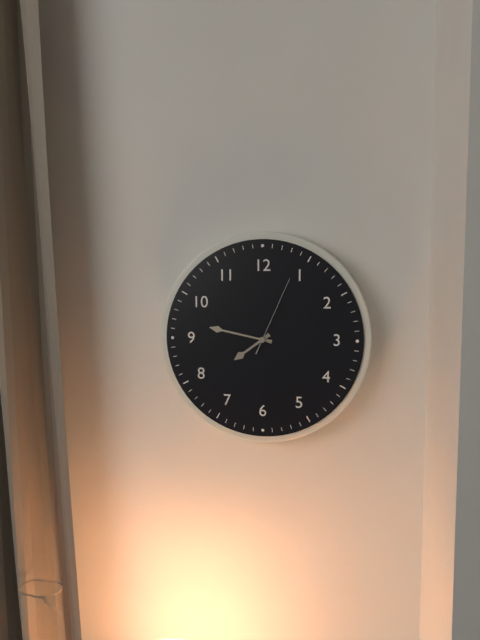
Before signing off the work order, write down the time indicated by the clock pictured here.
7:47:04
